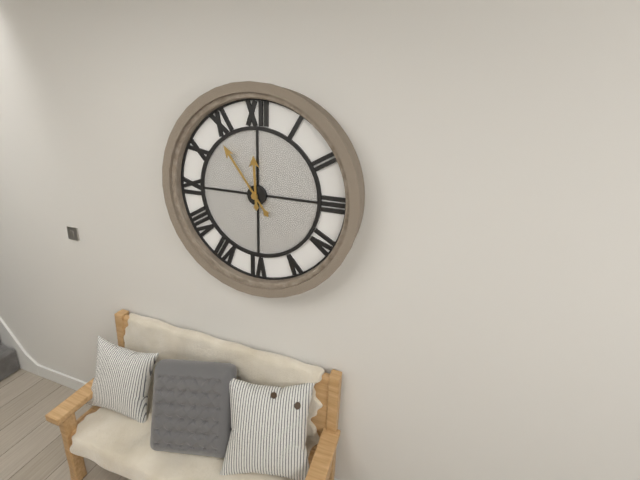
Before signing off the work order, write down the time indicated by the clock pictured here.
11:54
